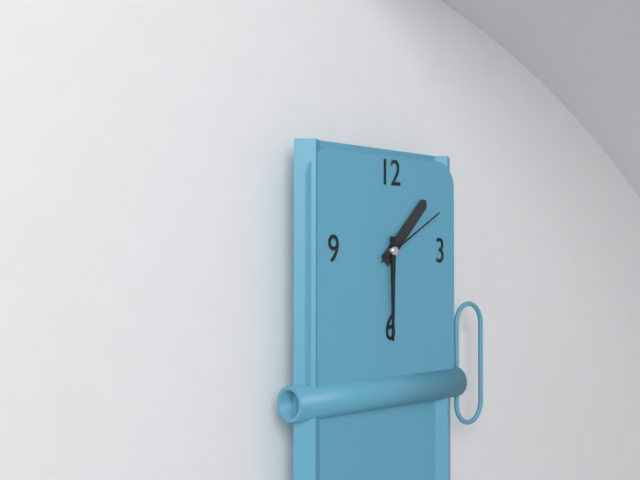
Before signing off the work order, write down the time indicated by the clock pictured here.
1:30:10
